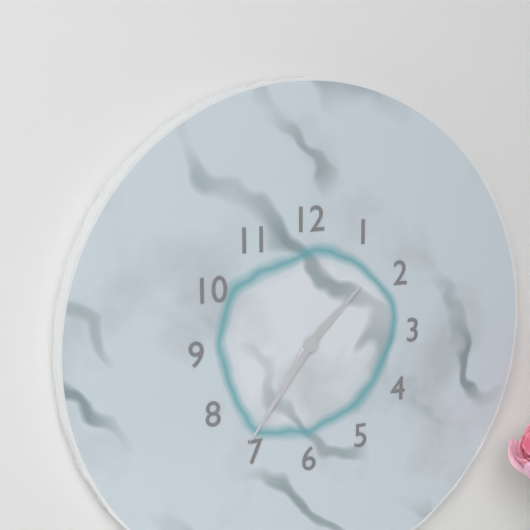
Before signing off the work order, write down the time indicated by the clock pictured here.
1:36
